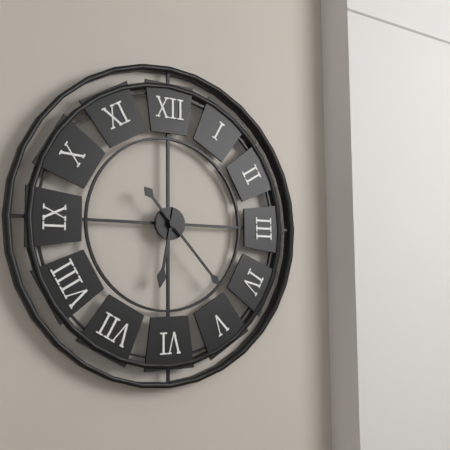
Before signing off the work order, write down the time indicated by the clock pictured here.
6:23
